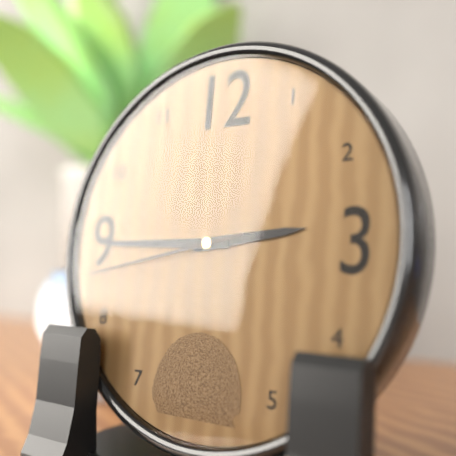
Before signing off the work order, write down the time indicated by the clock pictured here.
2:45:43
